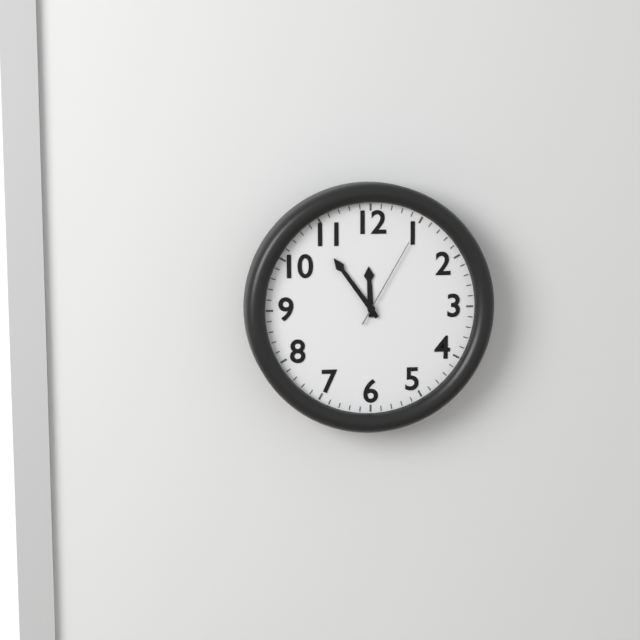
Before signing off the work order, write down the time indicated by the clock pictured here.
11:54:05
